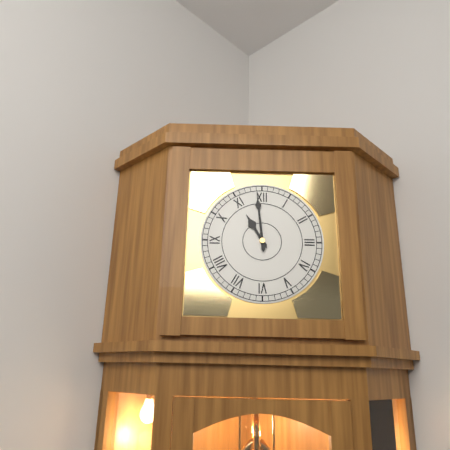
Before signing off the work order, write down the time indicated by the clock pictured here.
10:59
